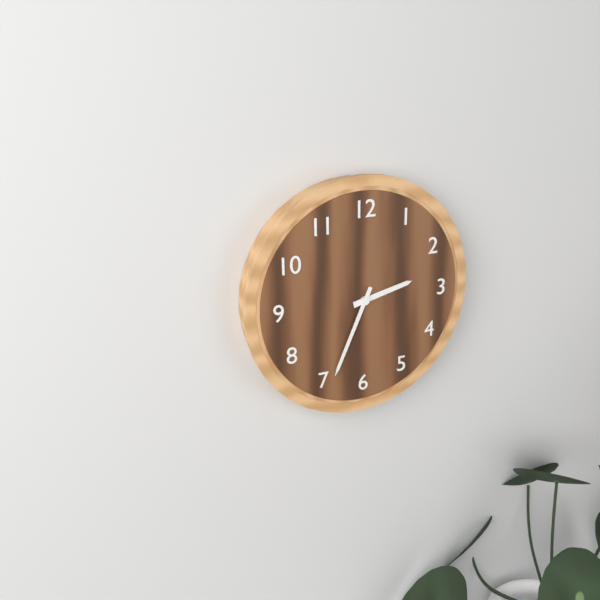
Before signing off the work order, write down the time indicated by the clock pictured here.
2:34
